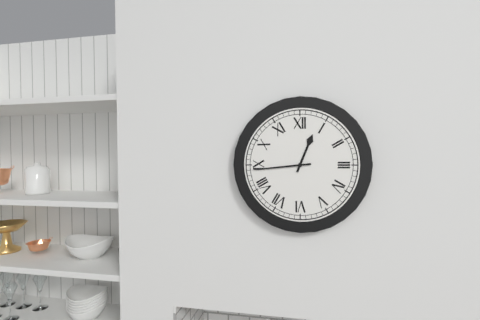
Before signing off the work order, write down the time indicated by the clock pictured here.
12:44
